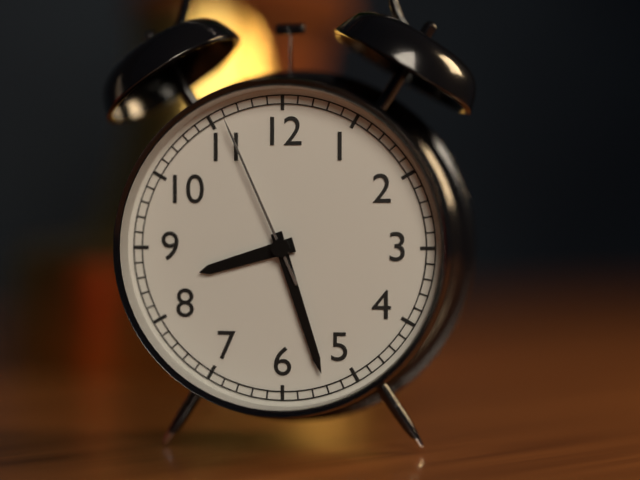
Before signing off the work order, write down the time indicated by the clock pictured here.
8:27:56
